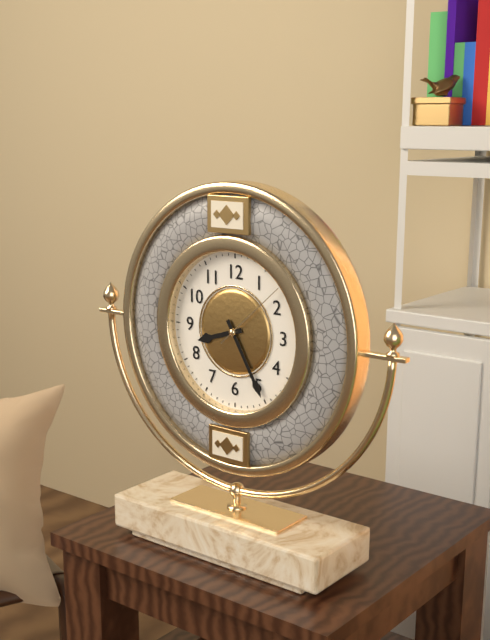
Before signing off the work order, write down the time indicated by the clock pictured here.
8:25:08
